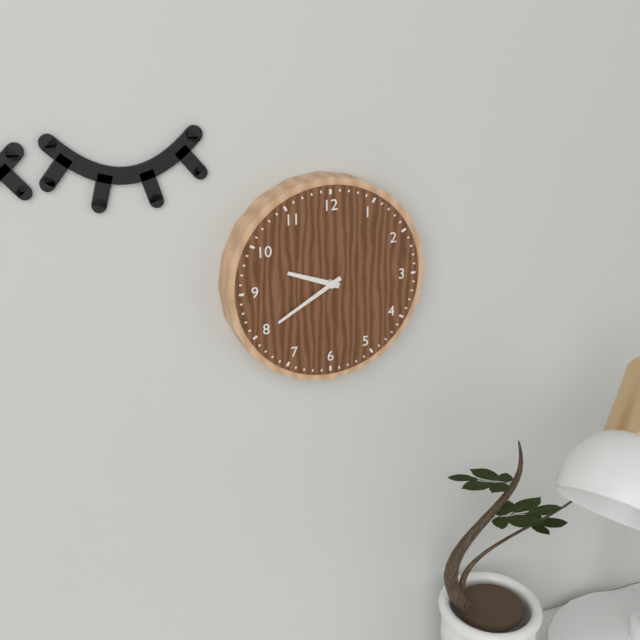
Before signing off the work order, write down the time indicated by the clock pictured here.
9:40
